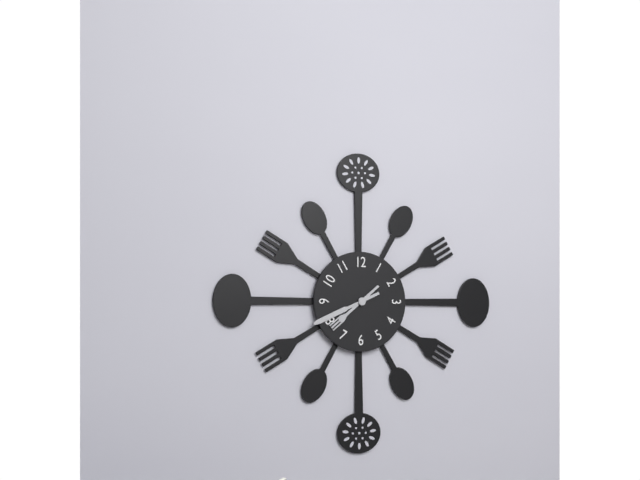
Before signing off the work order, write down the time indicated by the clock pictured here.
7:41
